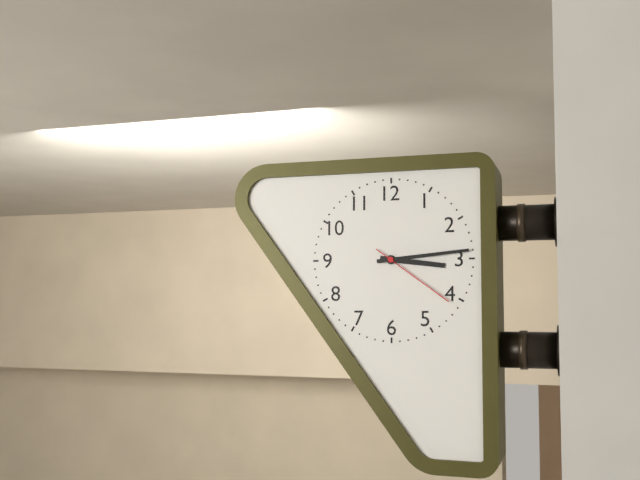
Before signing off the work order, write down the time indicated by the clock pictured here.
3:14:21
